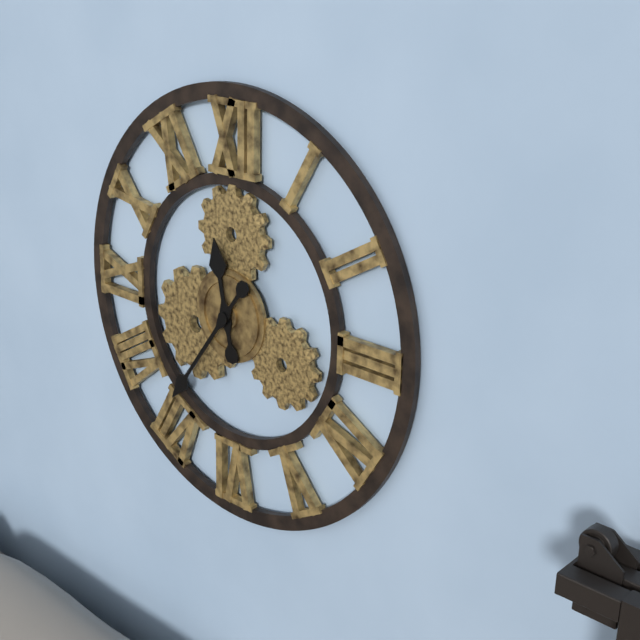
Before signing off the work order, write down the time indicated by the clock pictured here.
11:36
